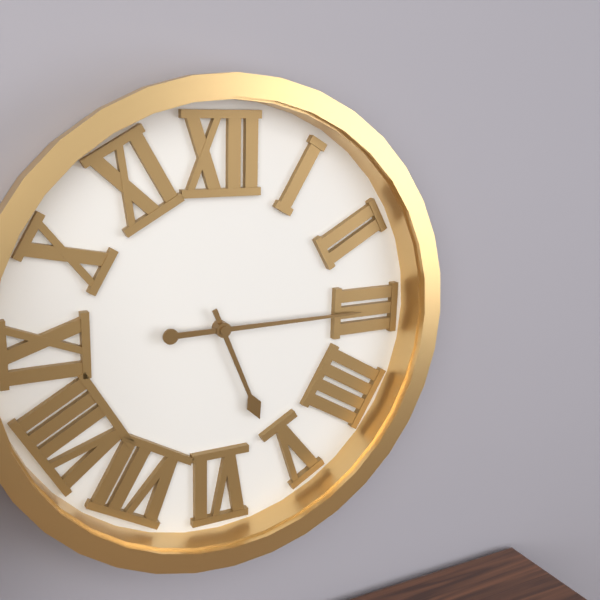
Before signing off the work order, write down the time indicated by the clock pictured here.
5:15
